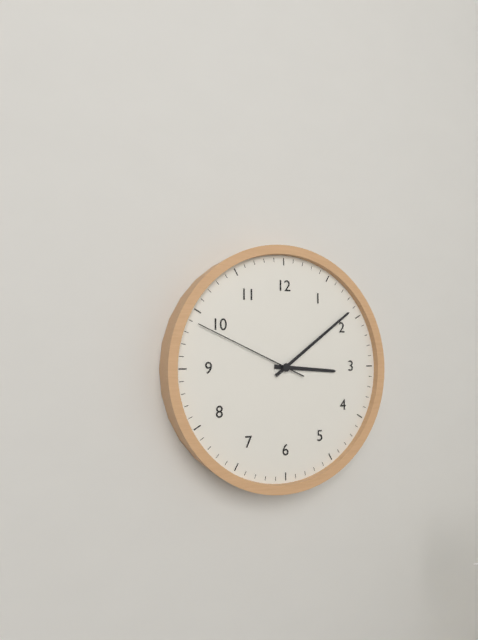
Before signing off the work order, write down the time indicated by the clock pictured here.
3:09:49
